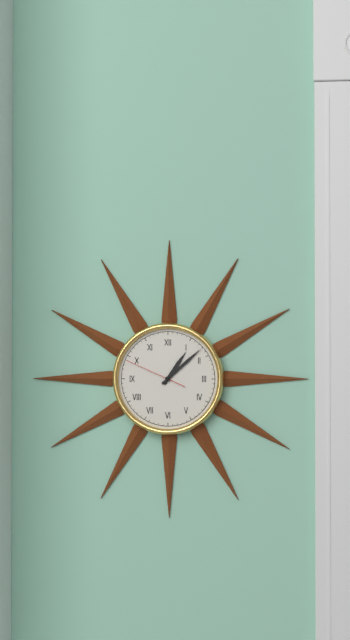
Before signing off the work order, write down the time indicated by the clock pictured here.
1:08:49
